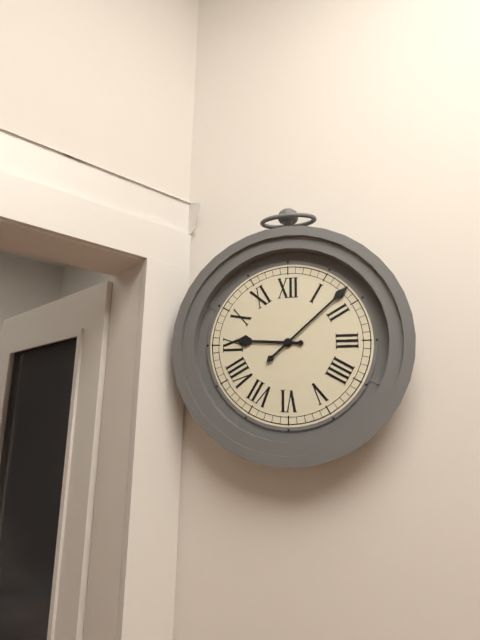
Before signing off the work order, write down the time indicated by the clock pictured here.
9:08
